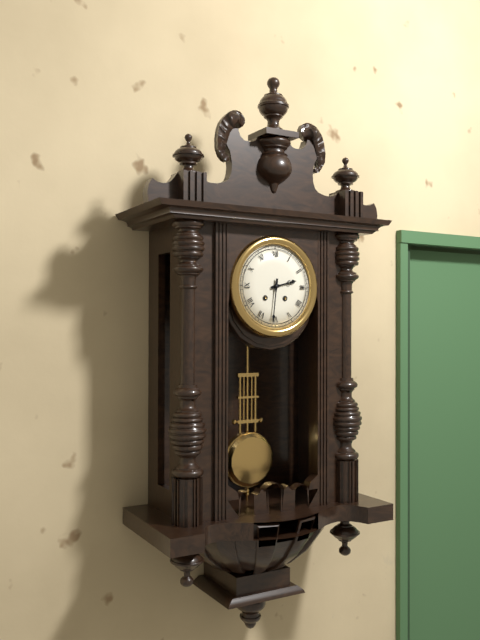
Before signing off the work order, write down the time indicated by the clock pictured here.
2:31
